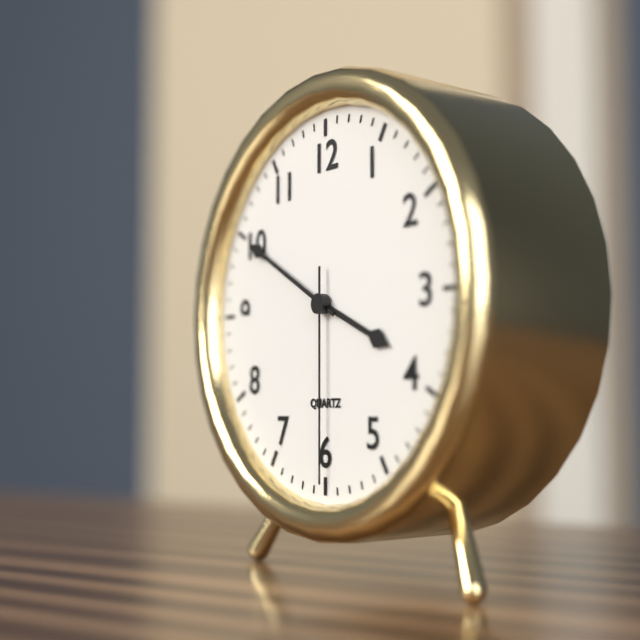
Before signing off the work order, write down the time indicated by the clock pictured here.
3:50:30
